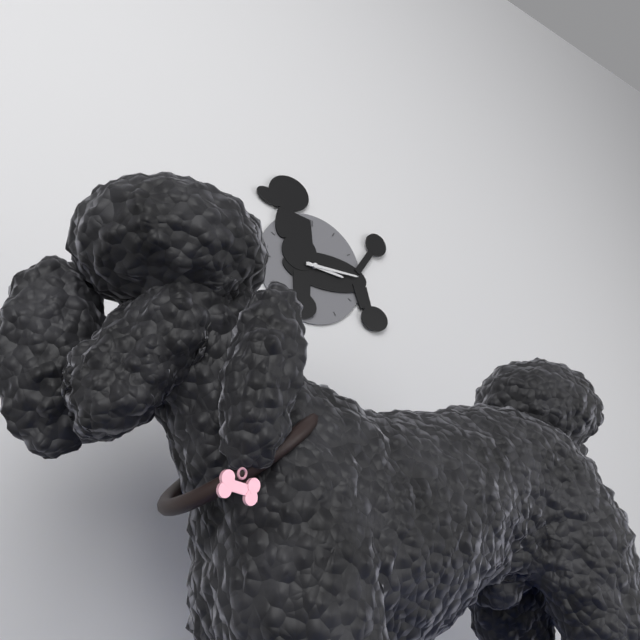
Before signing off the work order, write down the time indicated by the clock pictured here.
3:15
